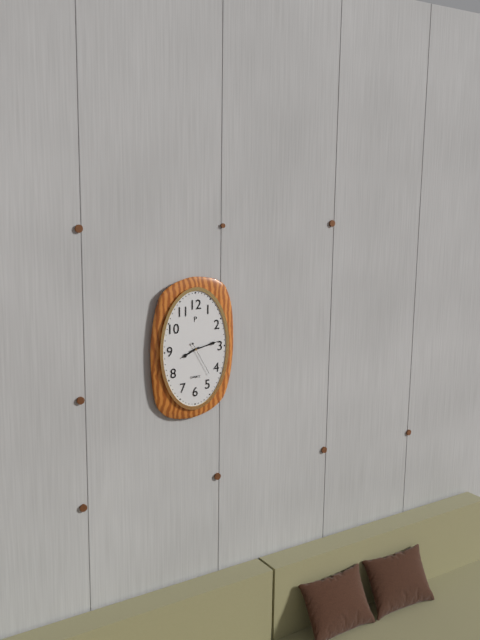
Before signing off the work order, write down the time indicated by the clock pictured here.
8:13
